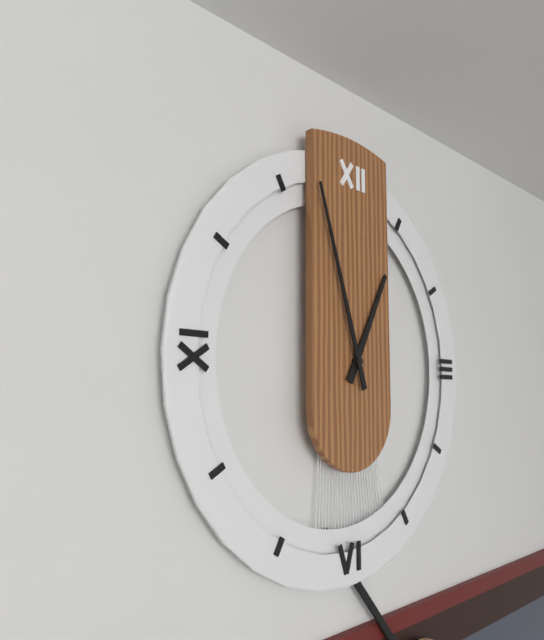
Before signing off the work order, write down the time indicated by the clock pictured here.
12:57
